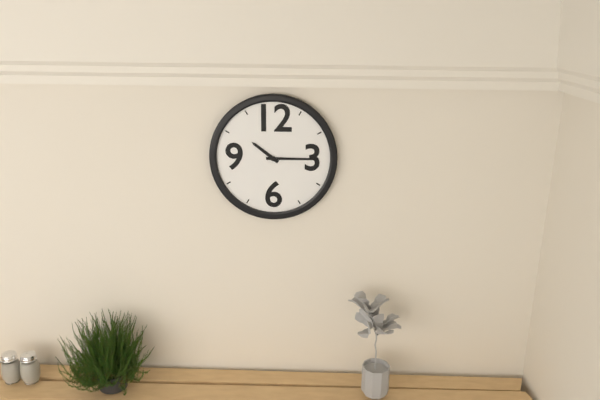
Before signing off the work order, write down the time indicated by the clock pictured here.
10:15
